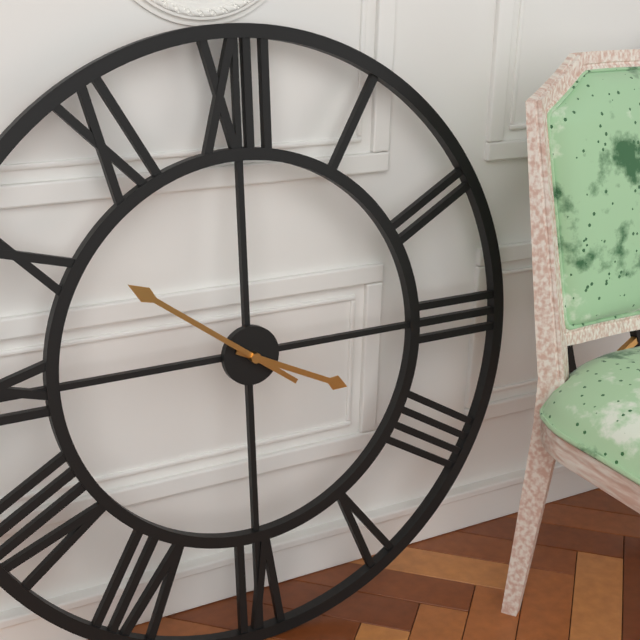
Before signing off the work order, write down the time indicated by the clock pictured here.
3:51
